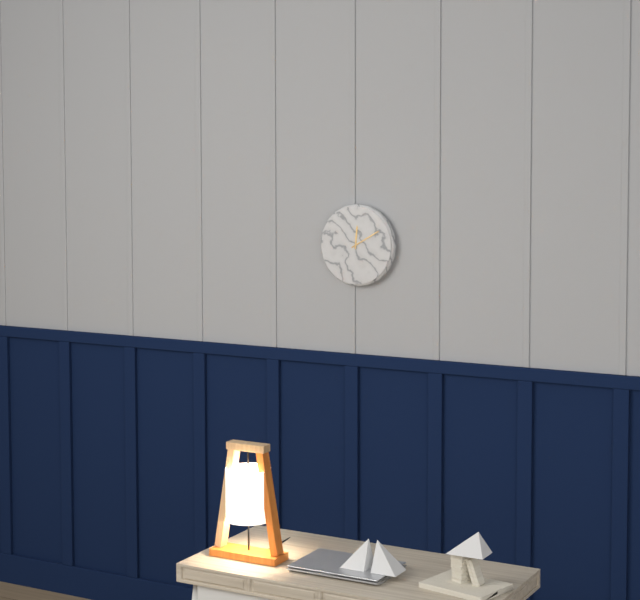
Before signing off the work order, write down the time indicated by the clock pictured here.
12:10
